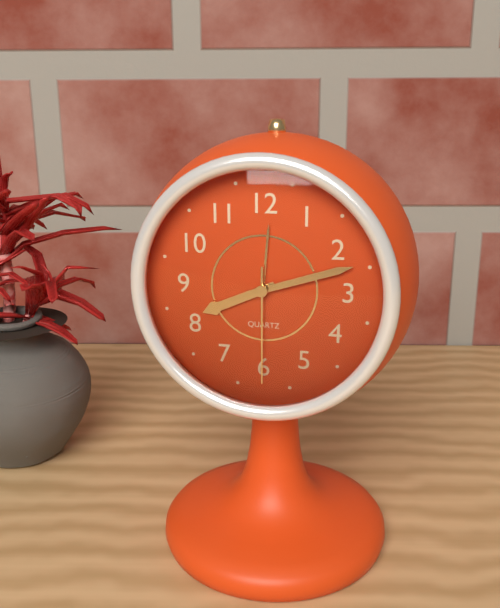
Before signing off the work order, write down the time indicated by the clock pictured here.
8:12:30
